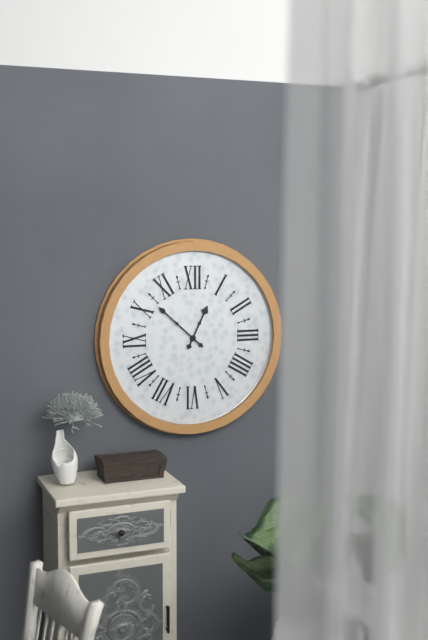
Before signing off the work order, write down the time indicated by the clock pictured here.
12:52
